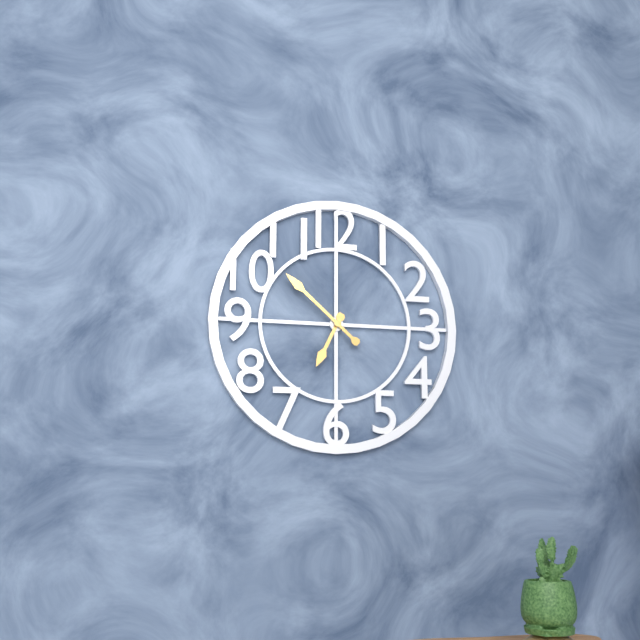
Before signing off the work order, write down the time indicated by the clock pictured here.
6:52
